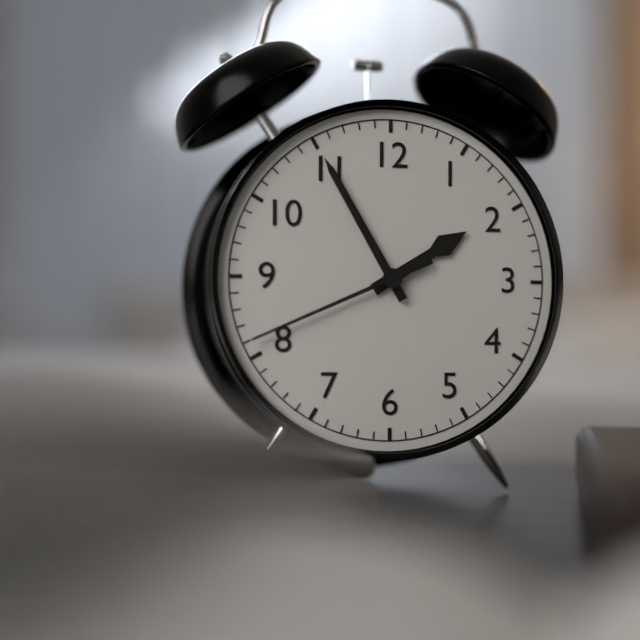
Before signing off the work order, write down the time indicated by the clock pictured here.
1:55:41
